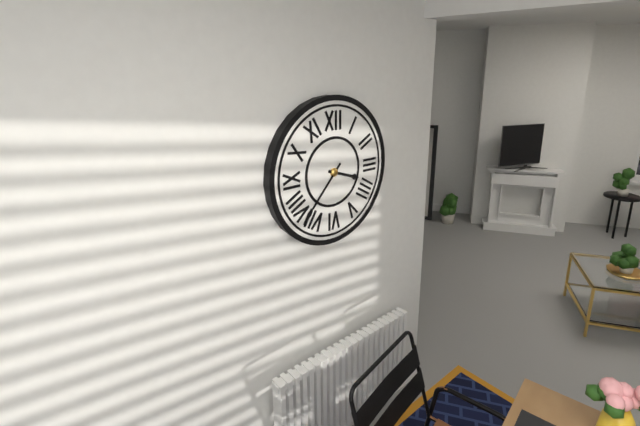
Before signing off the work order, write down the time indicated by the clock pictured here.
3:37
